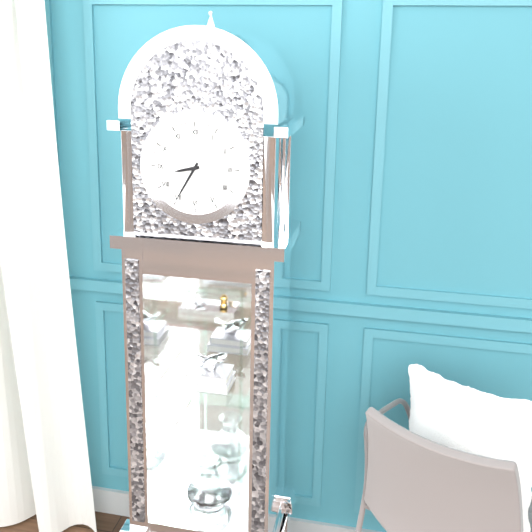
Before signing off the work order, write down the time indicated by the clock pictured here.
8:35
